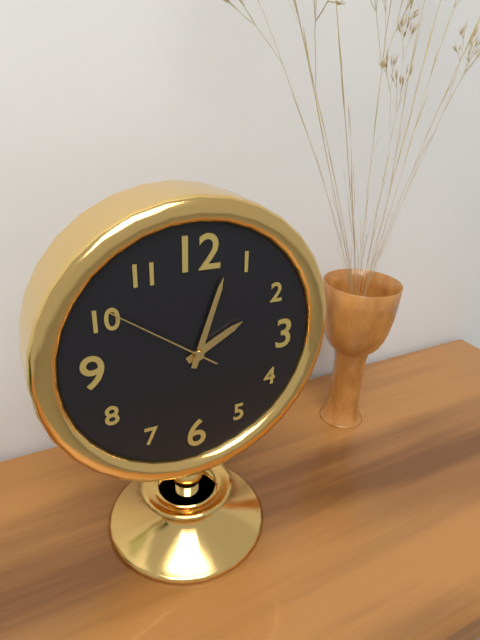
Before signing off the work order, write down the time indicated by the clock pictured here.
2:03:51
